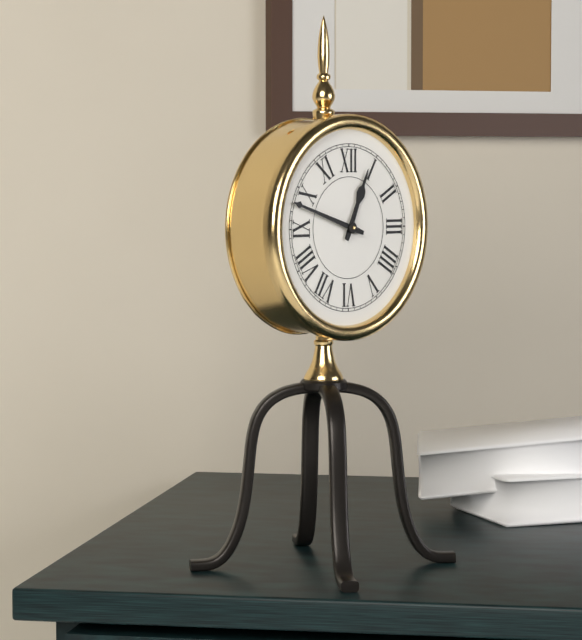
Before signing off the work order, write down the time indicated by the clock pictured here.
12:48
